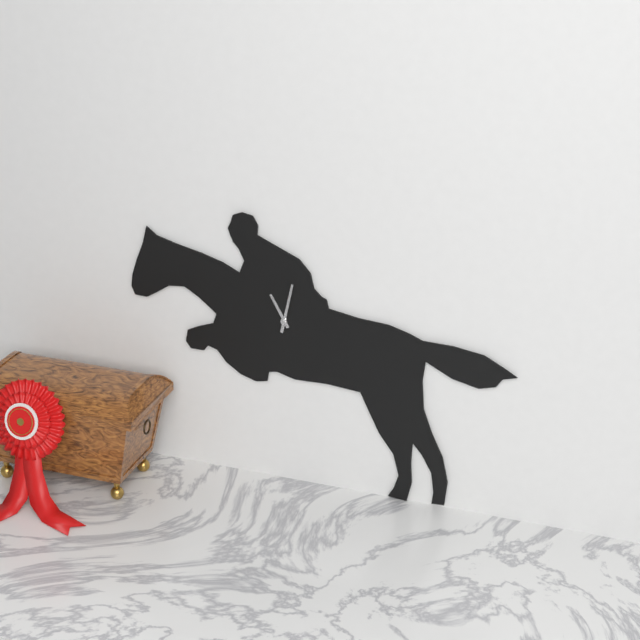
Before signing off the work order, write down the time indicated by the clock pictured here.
11:02
